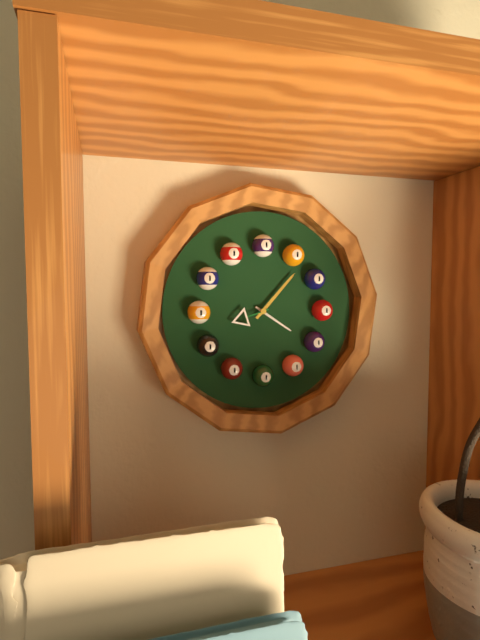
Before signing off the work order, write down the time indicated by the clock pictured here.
4:07
